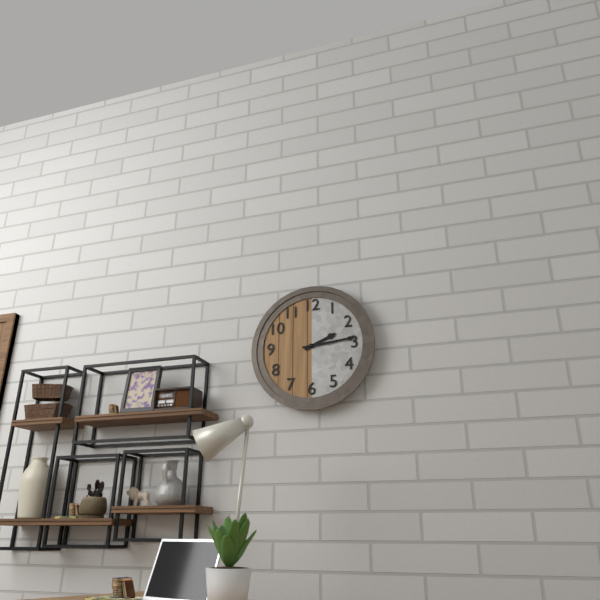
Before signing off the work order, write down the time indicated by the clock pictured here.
2:14
